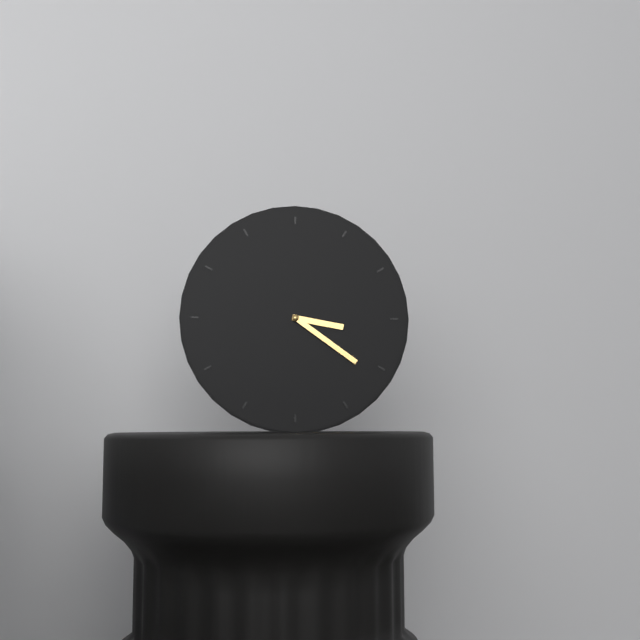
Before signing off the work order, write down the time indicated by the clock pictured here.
3:21
